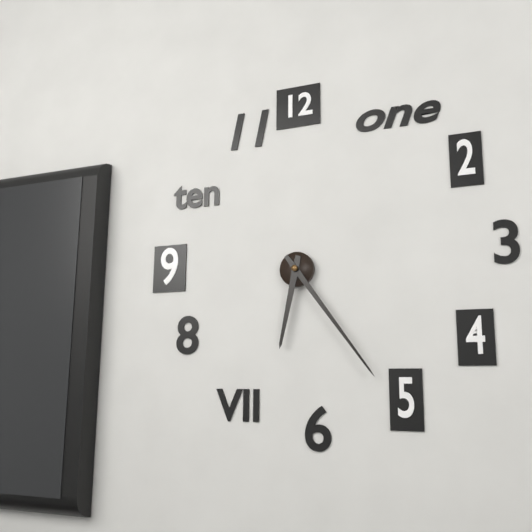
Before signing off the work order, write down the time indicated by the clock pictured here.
6:24
